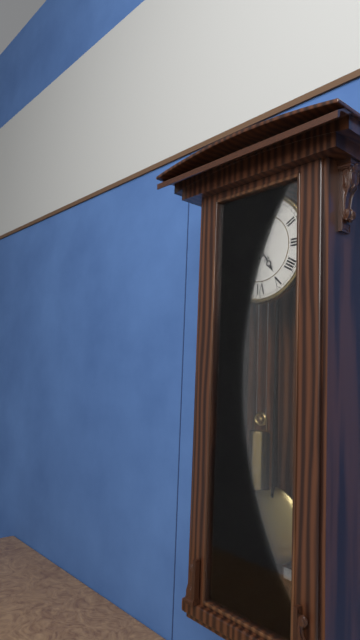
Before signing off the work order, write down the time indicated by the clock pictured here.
4:56
